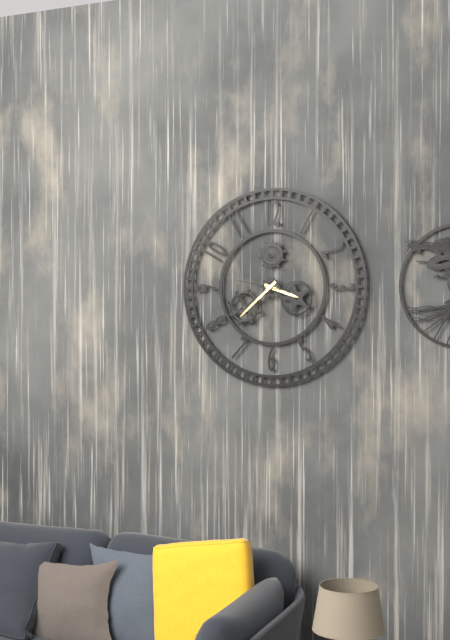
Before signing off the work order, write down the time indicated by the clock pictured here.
3:38
